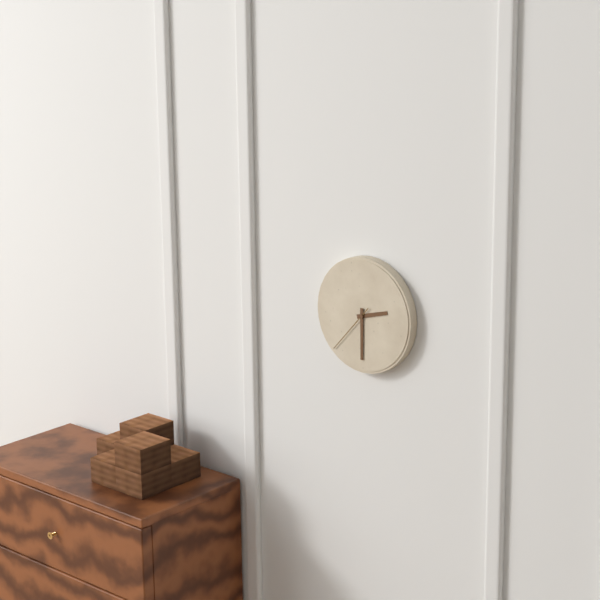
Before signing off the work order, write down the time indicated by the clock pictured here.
2:30:37
